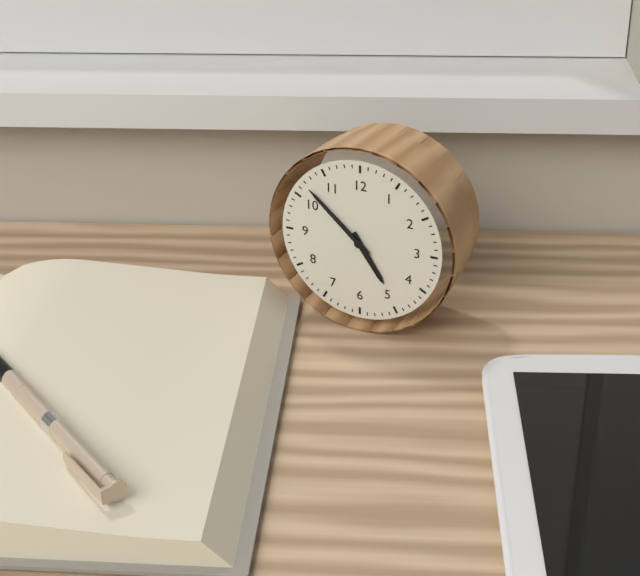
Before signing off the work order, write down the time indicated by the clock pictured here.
4:52
